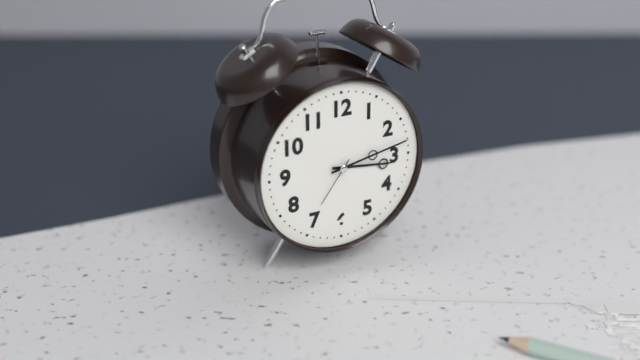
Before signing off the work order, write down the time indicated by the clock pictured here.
3:13:36
